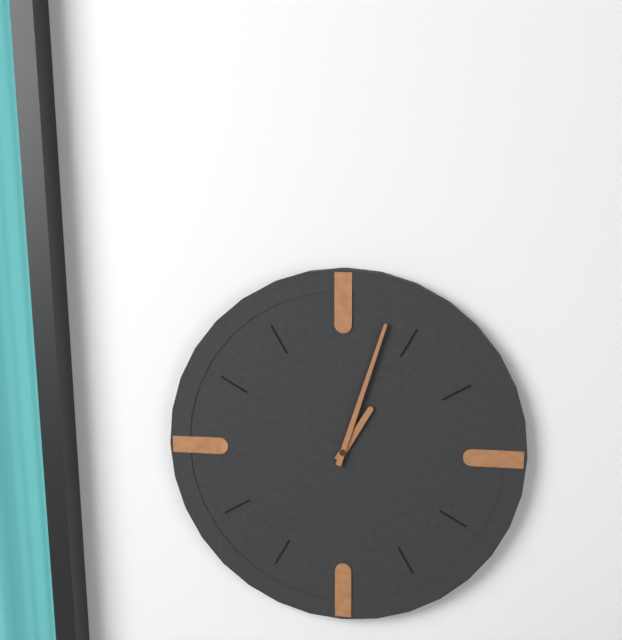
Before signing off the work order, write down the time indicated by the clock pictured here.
1:03
